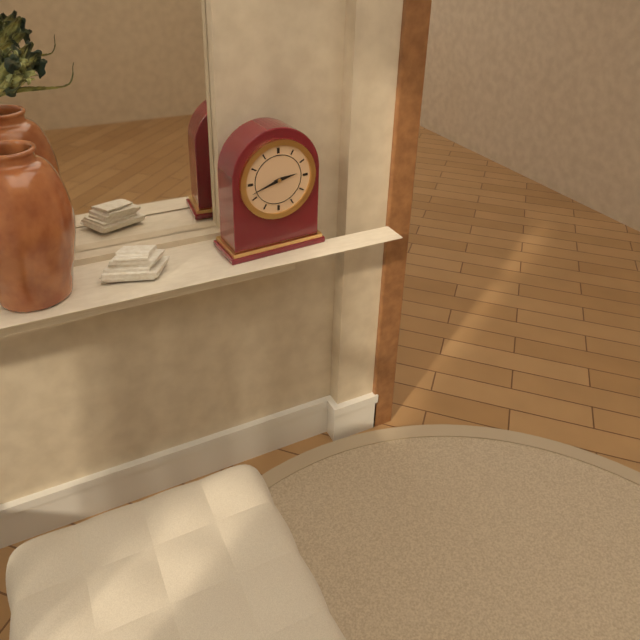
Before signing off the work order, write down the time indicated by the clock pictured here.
2:42
